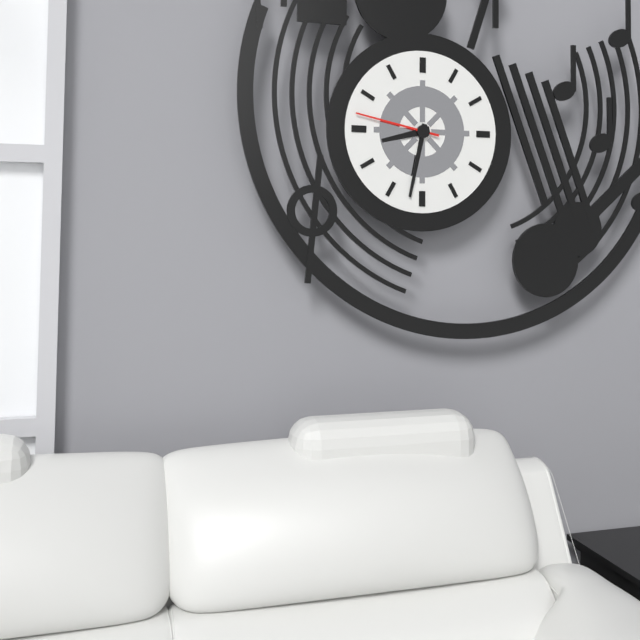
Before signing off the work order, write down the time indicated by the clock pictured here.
8:32:47
